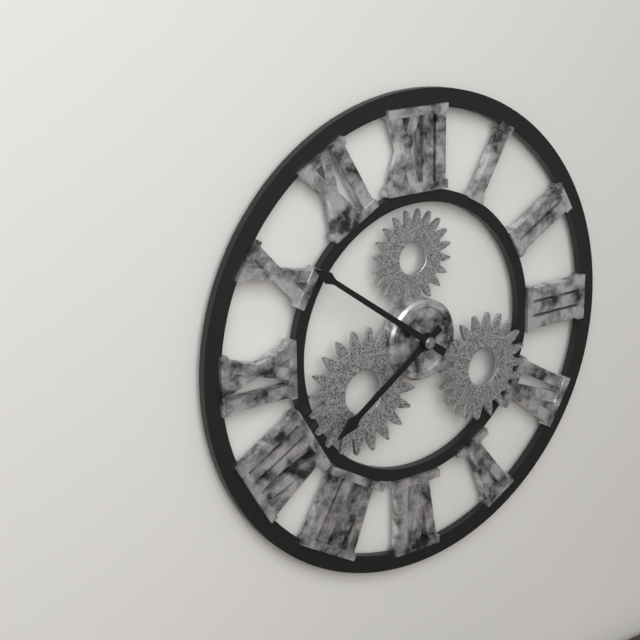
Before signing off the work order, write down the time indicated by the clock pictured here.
7:51
